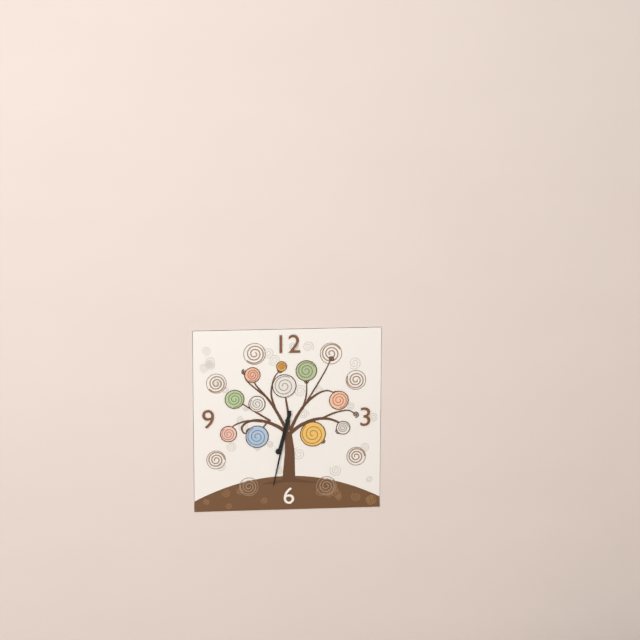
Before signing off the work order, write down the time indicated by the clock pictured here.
6:32
